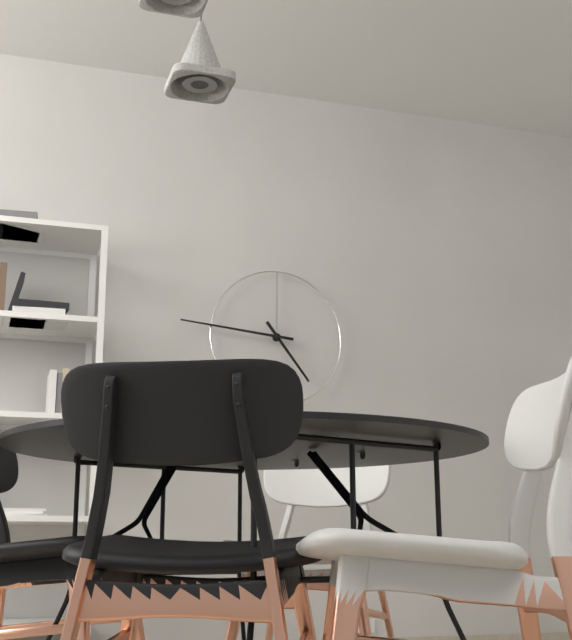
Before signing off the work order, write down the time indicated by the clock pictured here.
4:46
